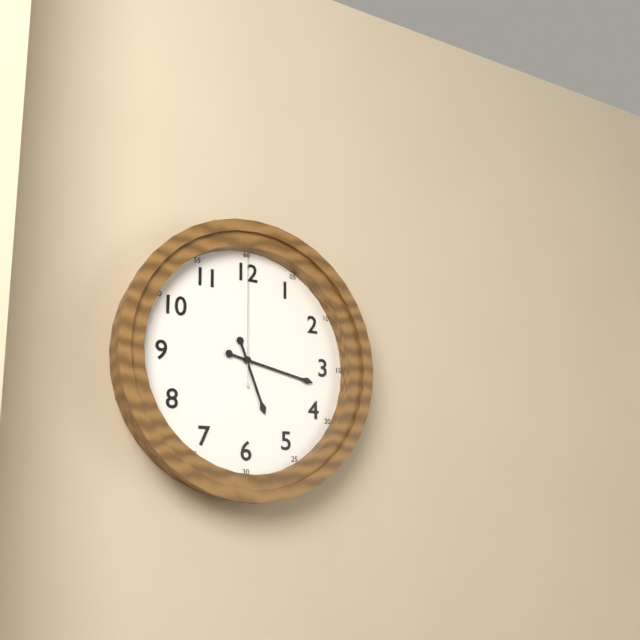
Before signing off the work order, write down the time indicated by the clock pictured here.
5:17:00
